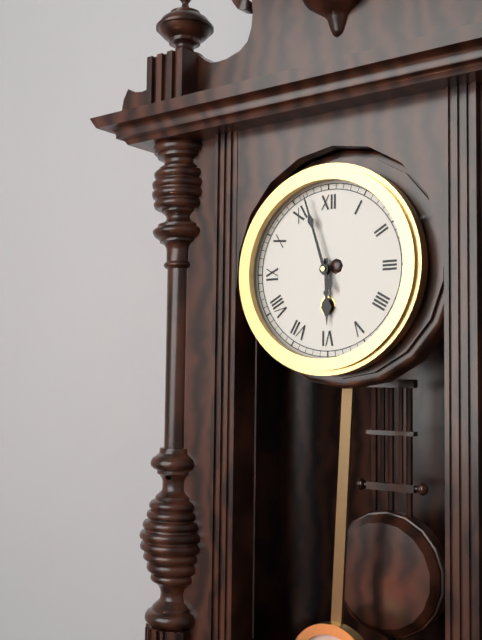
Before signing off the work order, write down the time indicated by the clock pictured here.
5:57
